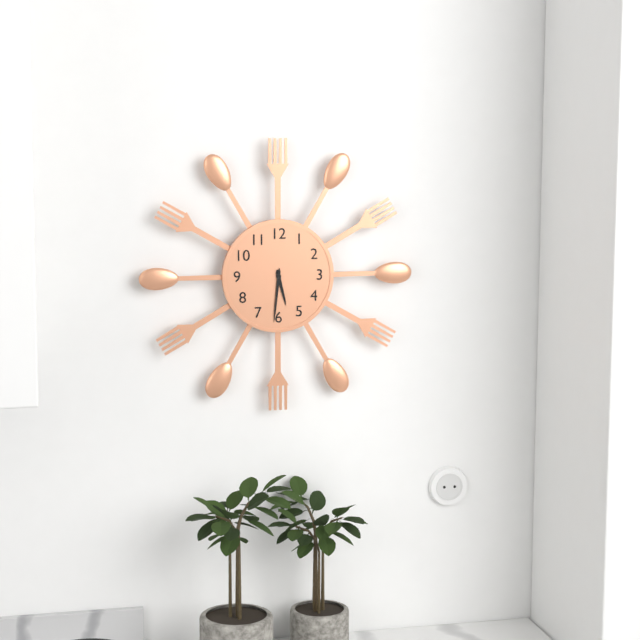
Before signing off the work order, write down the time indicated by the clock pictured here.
5:31
